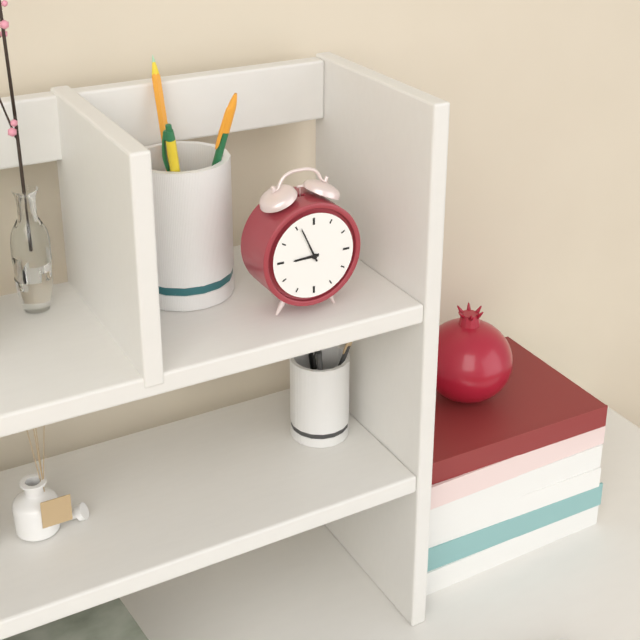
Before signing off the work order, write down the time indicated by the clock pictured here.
8:56
